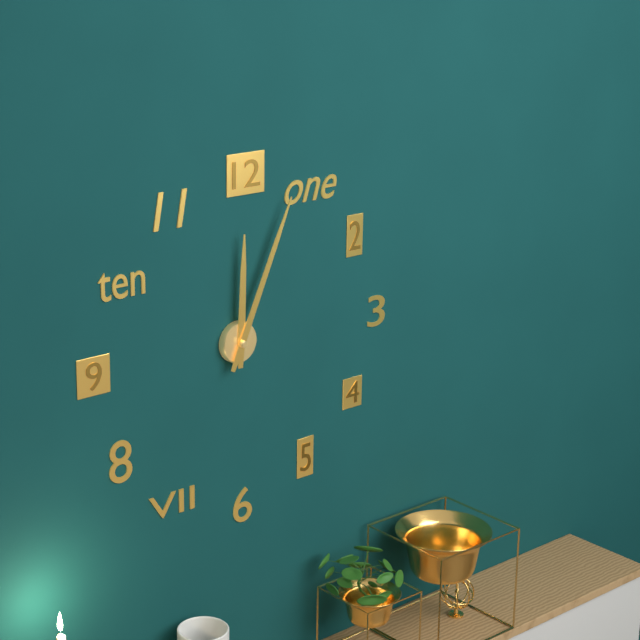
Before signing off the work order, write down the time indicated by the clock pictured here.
12:04
